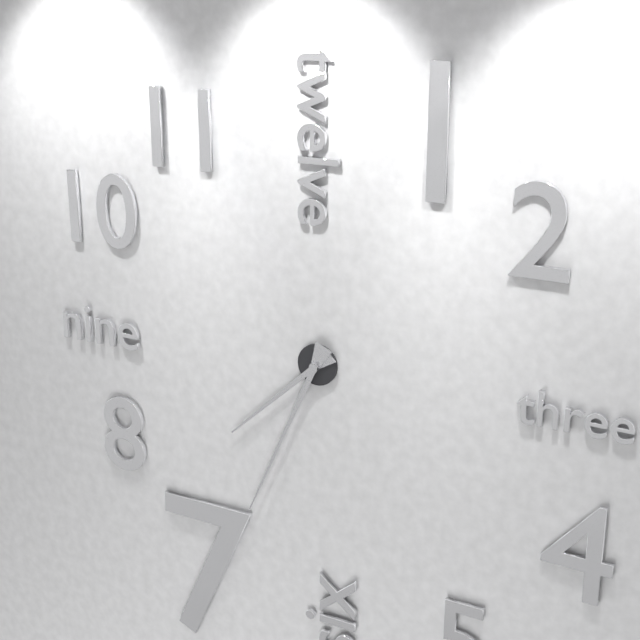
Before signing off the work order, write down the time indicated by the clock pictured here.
7:34
